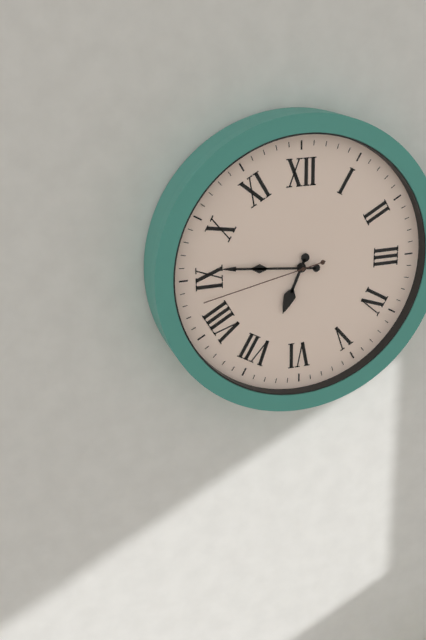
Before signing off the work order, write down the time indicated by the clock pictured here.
6:46:43
